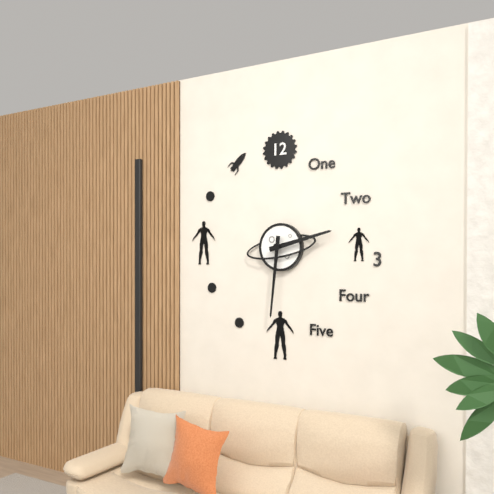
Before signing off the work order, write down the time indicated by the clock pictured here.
2:31
